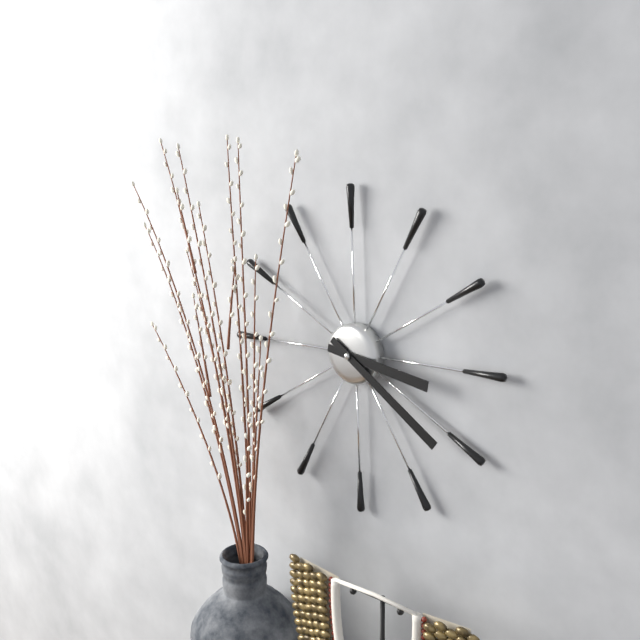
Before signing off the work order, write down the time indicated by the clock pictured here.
3:21
